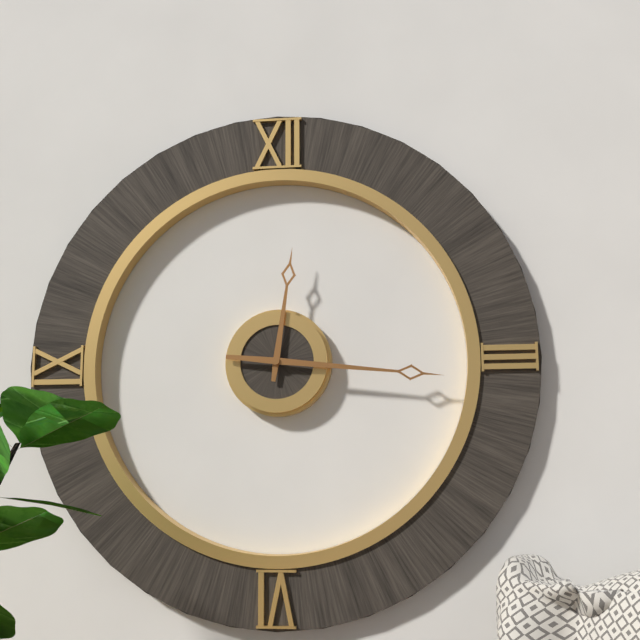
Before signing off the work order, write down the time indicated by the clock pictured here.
12:16
